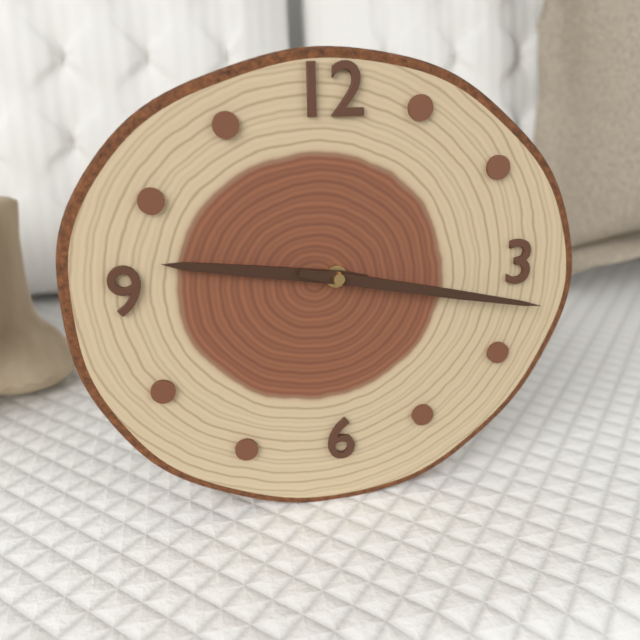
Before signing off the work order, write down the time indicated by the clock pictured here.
9:17
